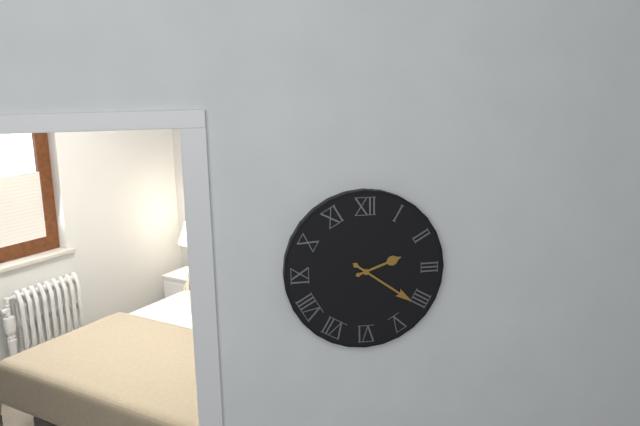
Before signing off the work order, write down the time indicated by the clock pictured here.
2:21
